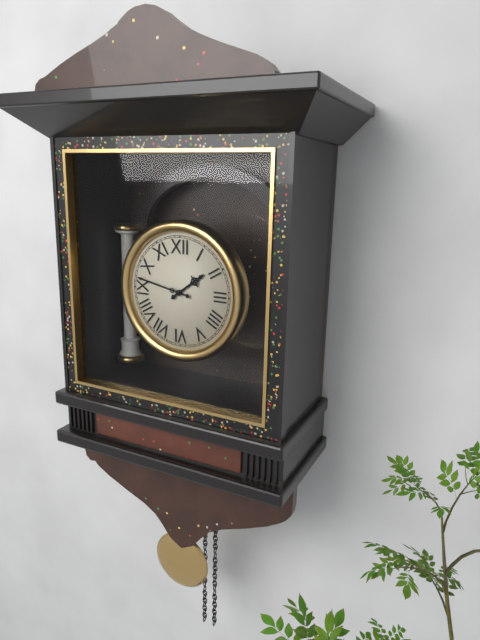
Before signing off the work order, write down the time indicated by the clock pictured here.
1:47
